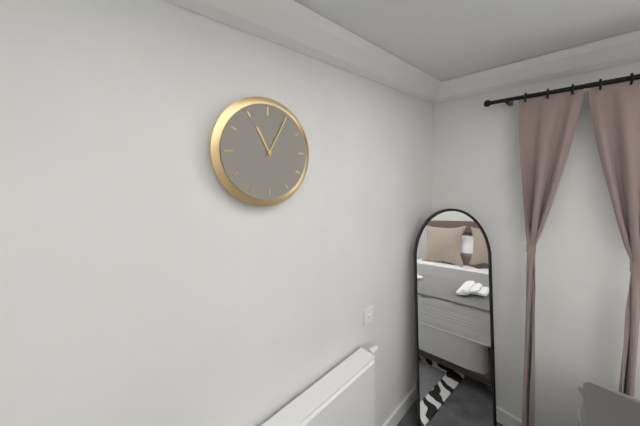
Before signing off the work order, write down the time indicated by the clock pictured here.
11:05
